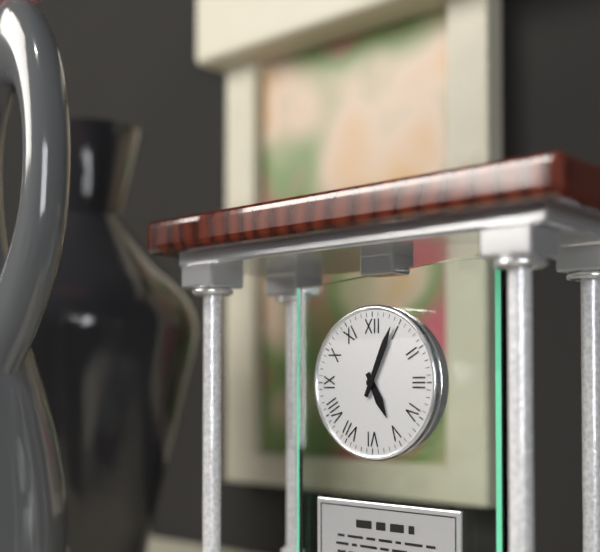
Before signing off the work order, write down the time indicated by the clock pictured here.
5:04
